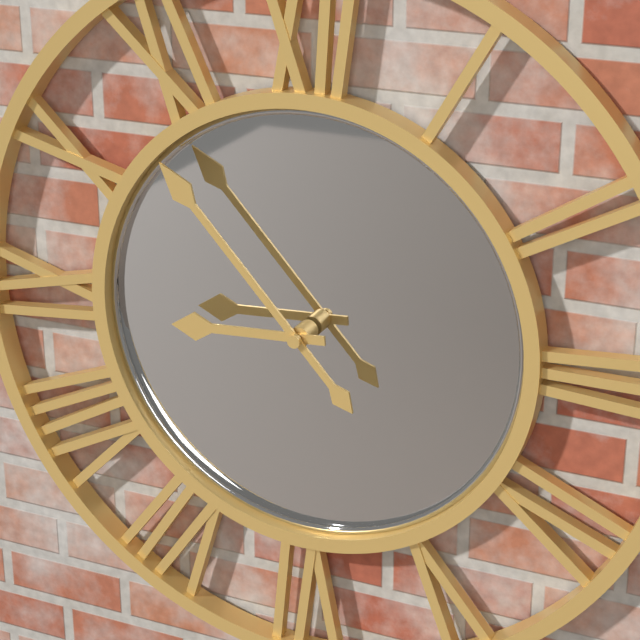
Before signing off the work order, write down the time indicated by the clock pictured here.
8:53
